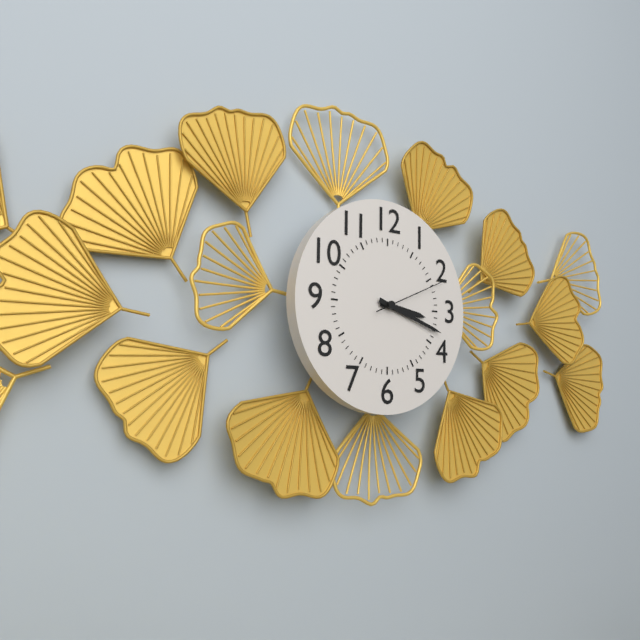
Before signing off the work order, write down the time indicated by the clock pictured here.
3:18:11
